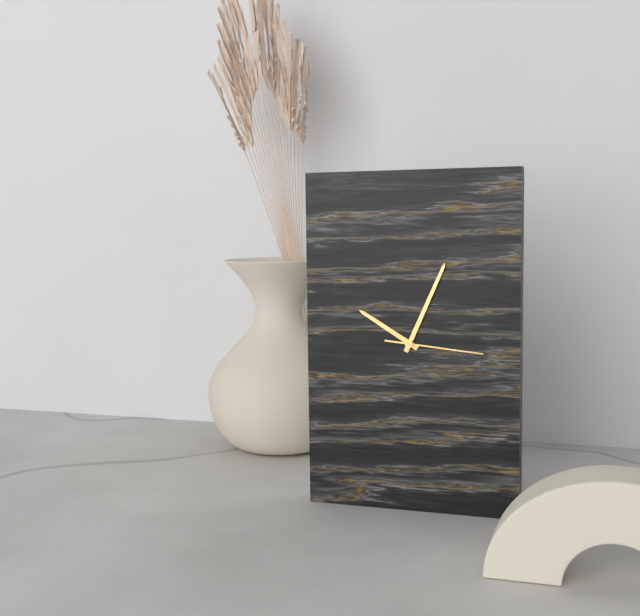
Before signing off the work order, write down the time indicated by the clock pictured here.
10:04:16
